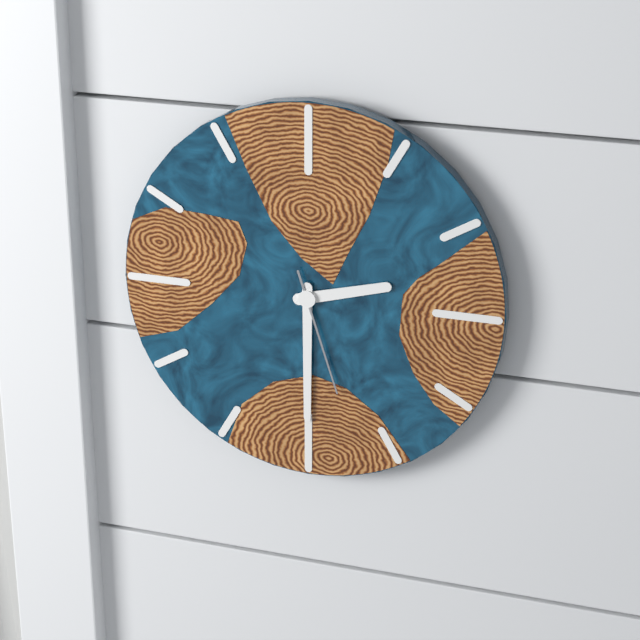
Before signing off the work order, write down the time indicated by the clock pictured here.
2:30:27
